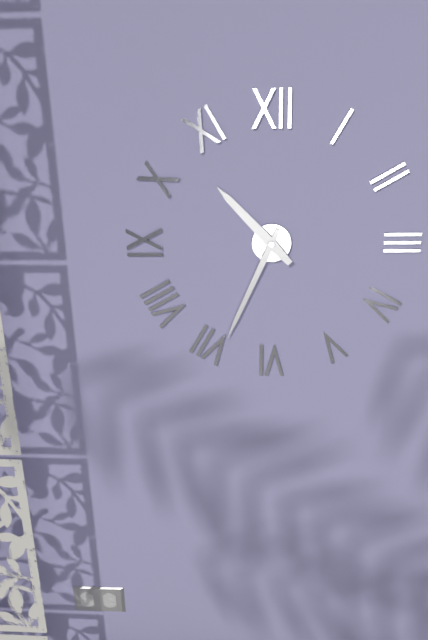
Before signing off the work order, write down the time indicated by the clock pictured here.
10:34
